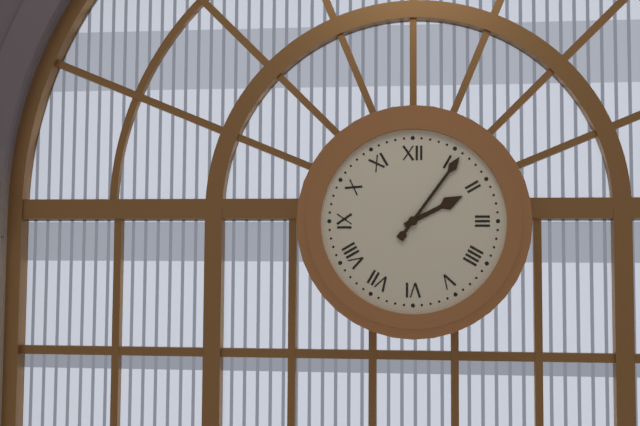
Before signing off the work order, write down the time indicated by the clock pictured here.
2:06
